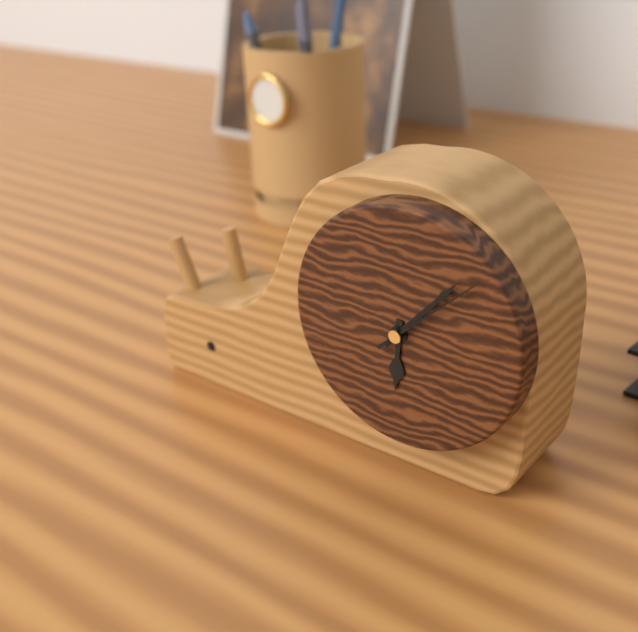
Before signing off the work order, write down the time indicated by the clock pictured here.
6:07:08
